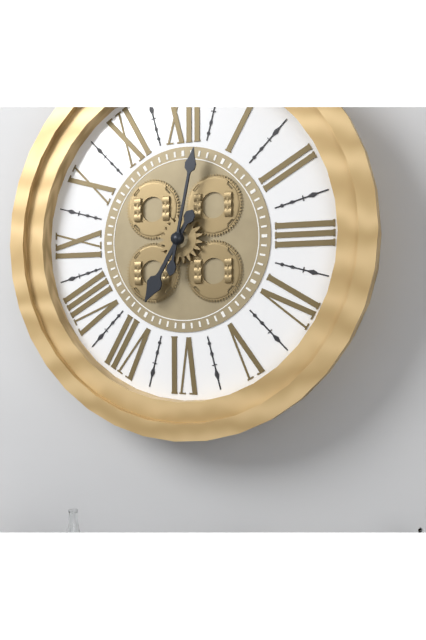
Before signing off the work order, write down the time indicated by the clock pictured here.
7:02
